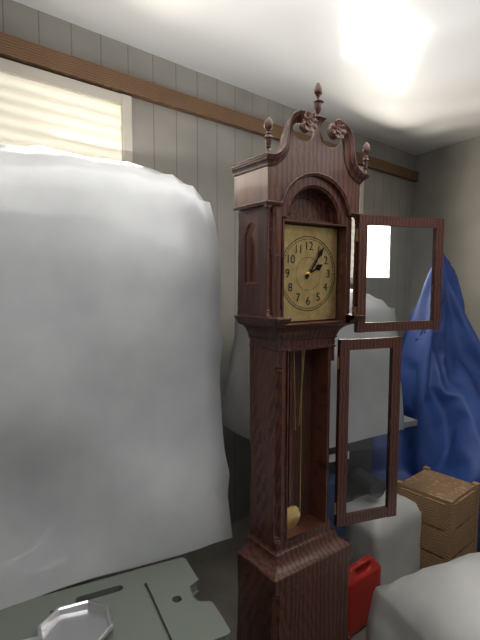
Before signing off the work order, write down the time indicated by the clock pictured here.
2:06
